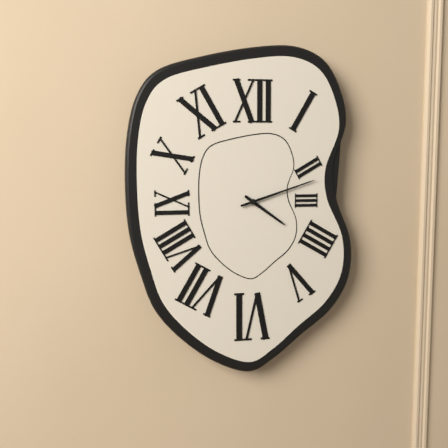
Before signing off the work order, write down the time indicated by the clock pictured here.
4:12
